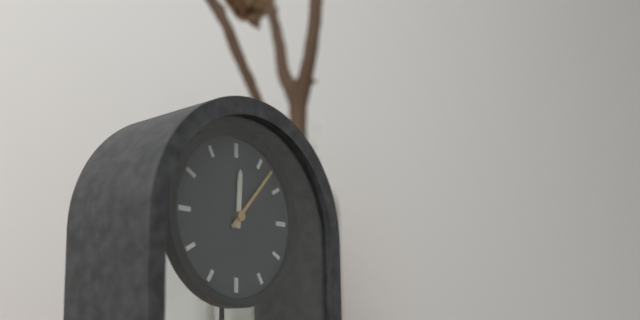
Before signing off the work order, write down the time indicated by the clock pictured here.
12:07
